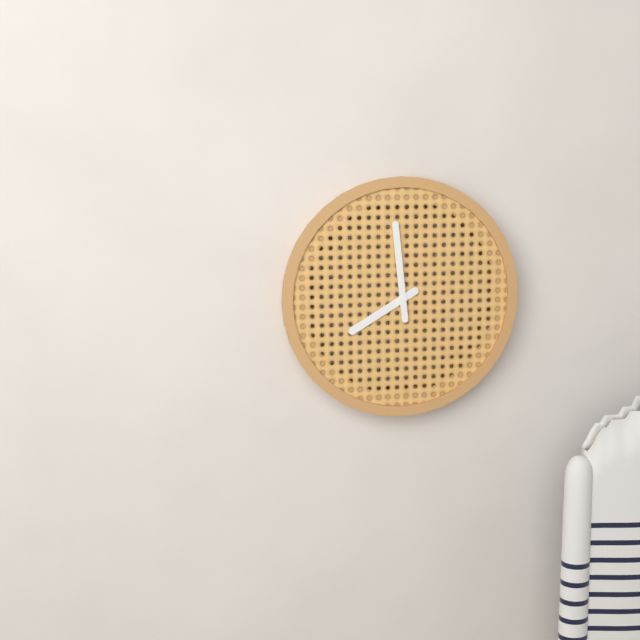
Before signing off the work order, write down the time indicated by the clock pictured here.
7:59
